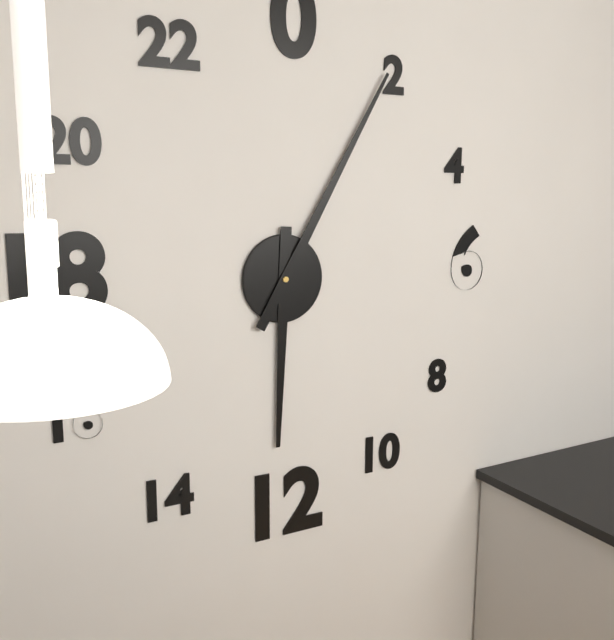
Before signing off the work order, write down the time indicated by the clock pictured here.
6:05
